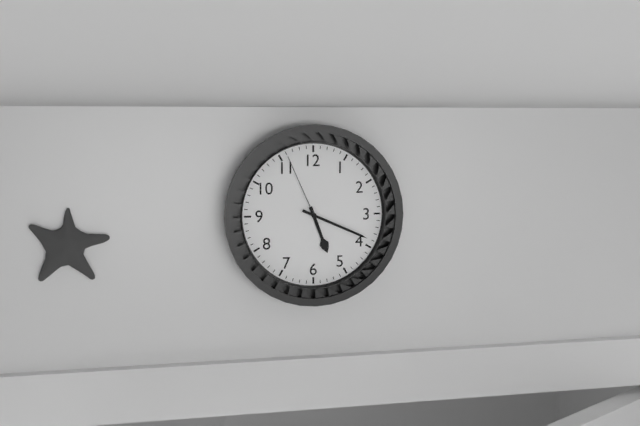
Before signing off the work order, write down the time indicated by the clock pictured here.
5:19:56
